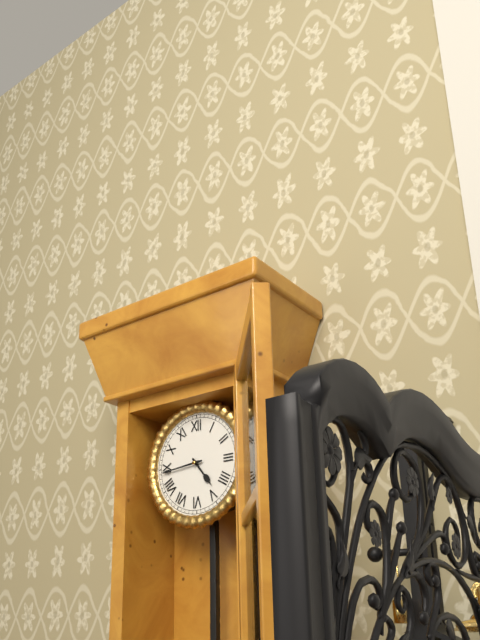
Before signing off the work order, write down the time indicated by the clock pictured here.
4:44
